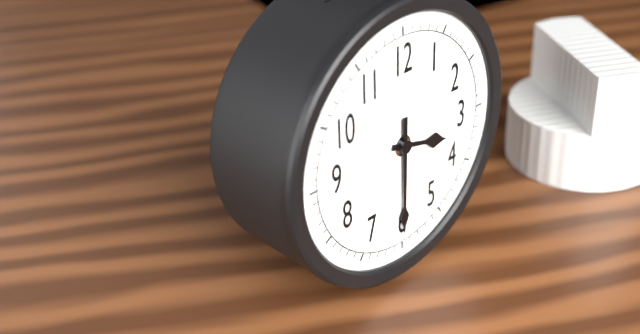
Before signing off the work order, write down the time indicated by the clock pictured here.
3:30
